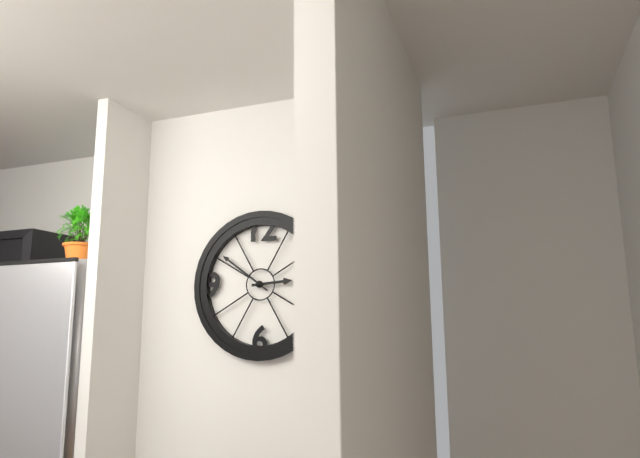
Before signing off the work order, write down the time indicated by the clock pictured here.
2:51
